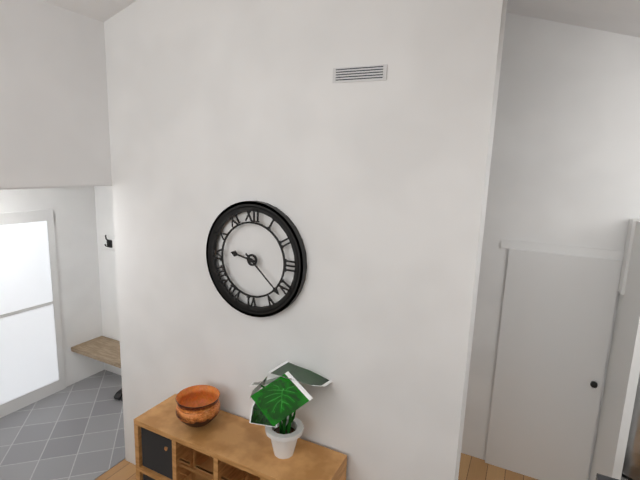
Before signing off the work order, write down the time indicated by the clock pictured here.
9:22
